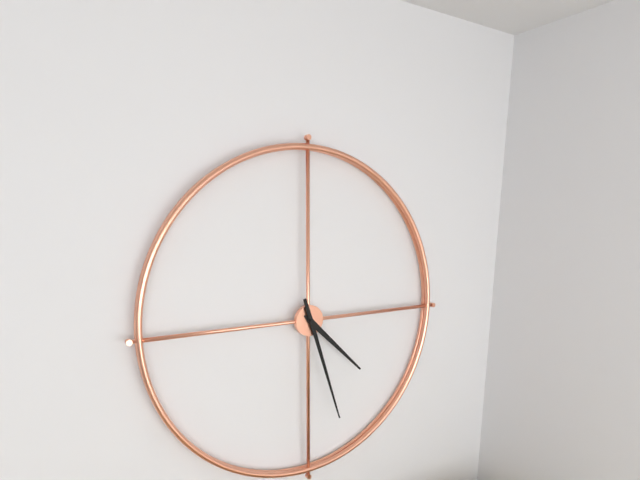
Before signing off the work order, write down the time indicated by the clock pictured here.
4:27
